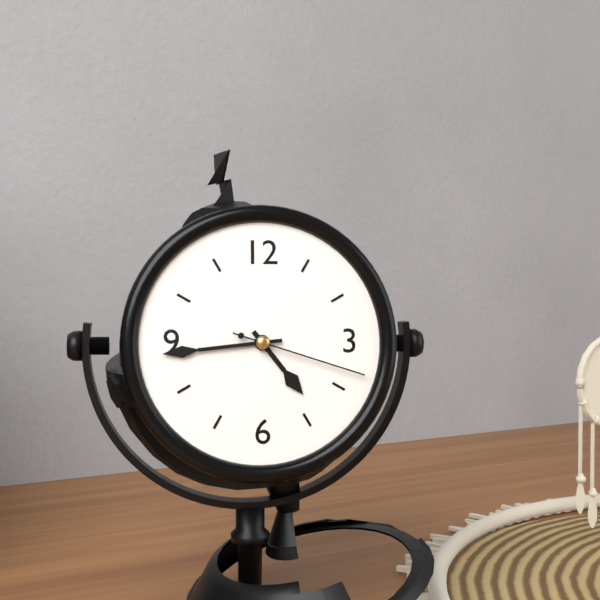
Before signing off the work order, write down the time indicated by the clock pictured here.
4:44:18
